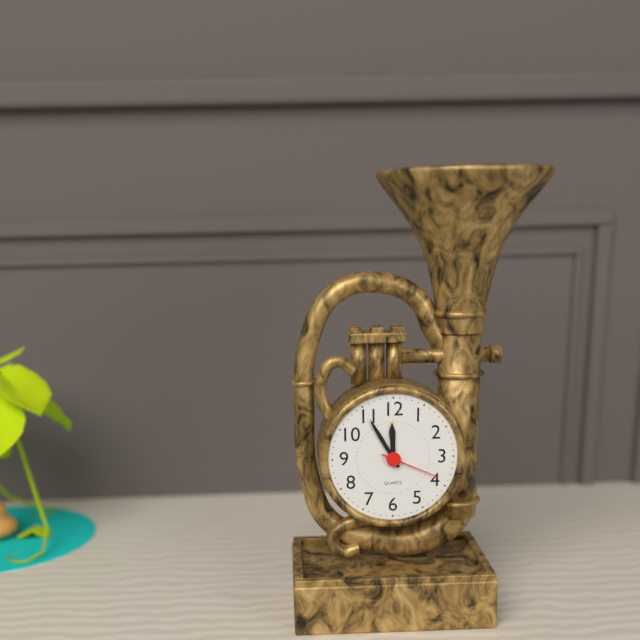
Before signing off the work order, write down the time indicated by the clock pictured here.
11:55:19
